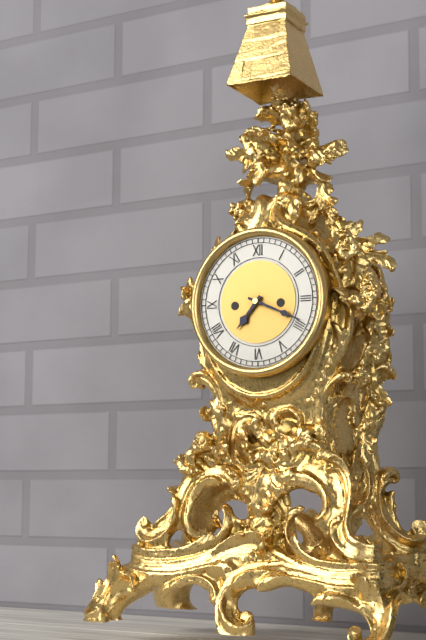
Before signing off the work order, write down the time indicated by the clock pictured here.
7:19
